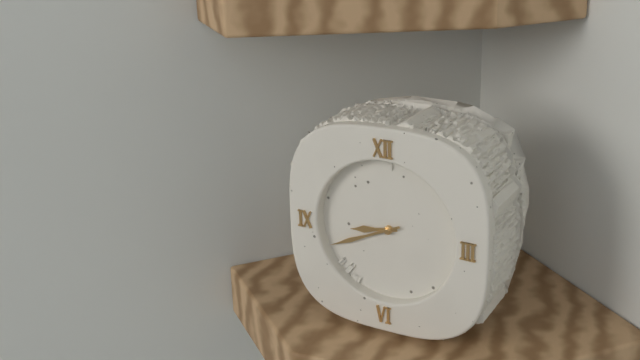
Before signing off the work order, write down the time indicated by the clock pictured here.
8:41
